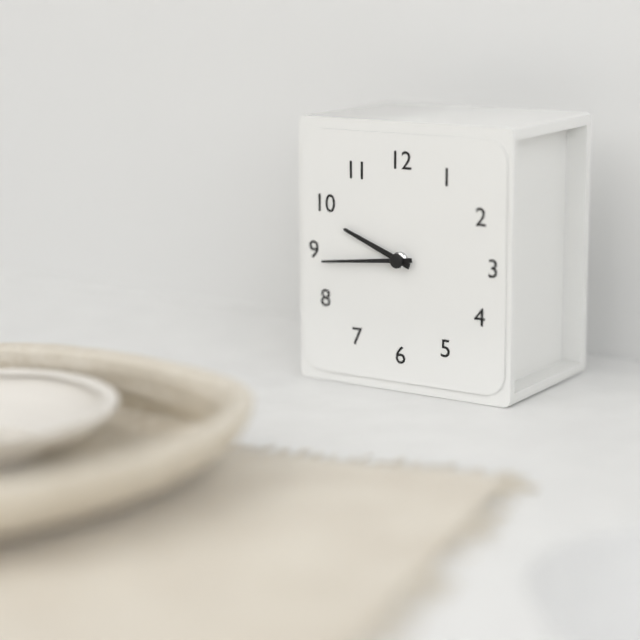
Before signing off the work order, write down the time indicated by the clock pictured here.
9:44
